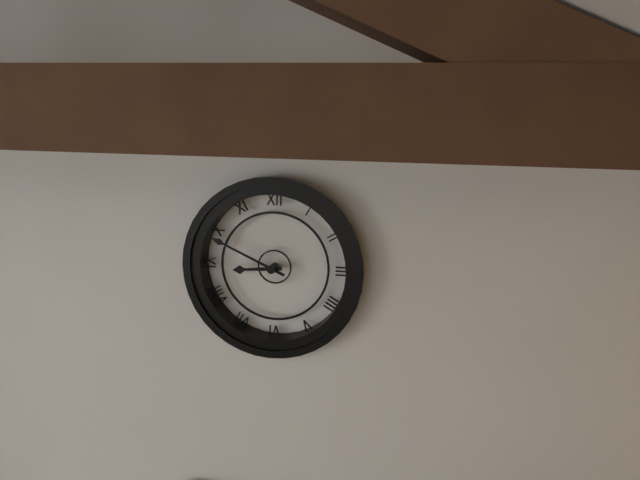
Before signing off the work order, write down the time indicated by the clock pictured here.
8:49
